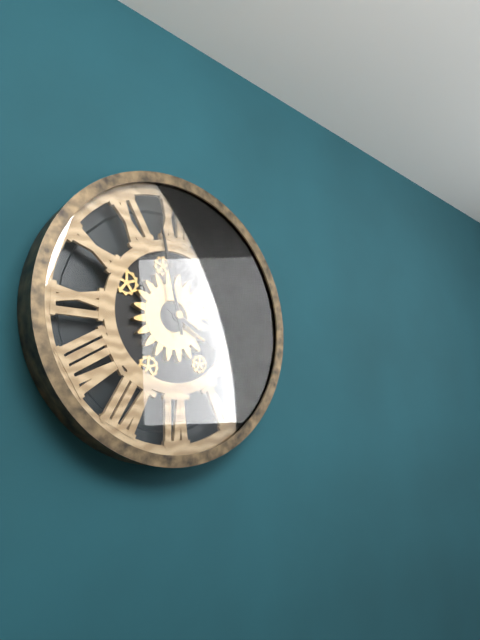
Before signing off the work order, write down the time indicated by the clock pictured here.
3:58
